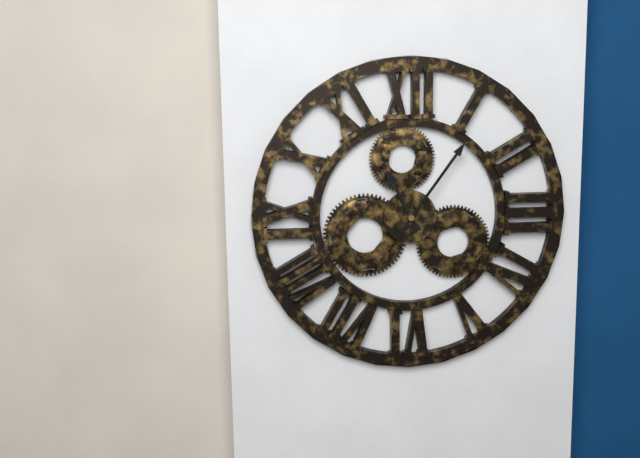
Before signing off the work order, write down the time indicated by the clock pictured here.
11:06
